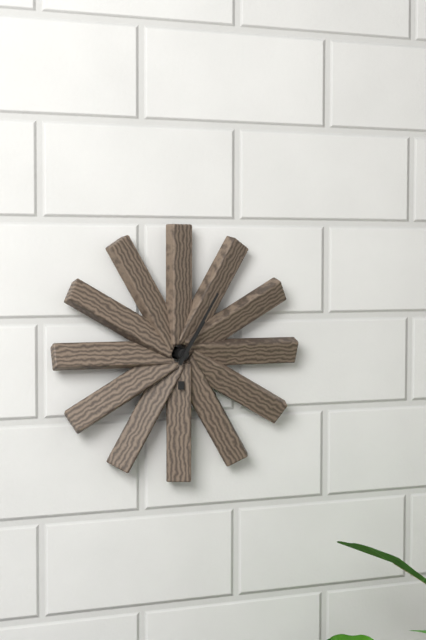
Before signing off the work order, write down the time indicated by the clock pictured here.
1:05
